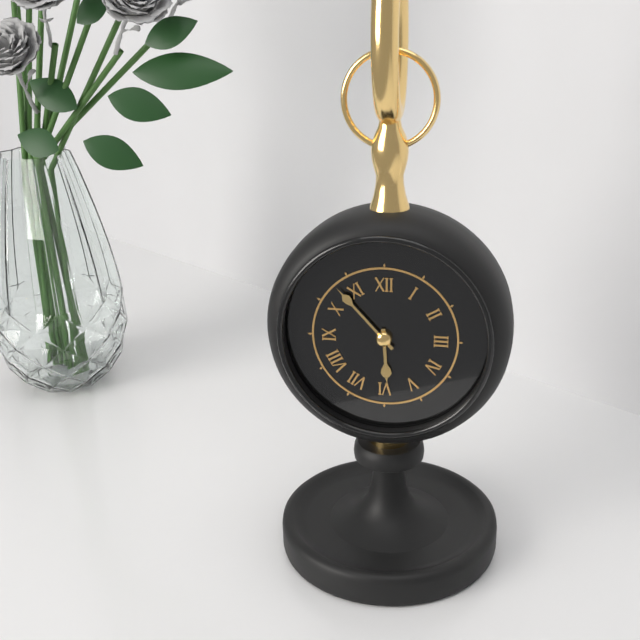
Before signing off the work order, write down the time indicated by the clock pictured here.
5:53
